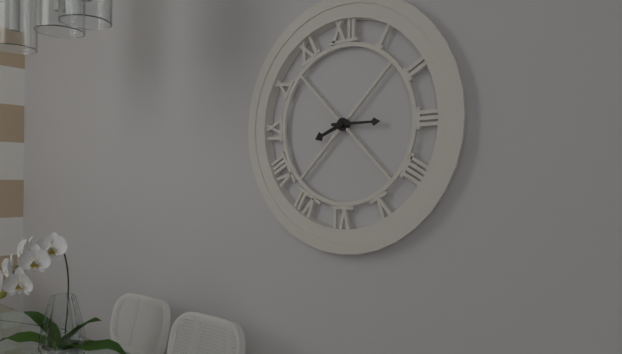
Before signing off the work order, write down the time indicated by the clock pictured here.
8:15
